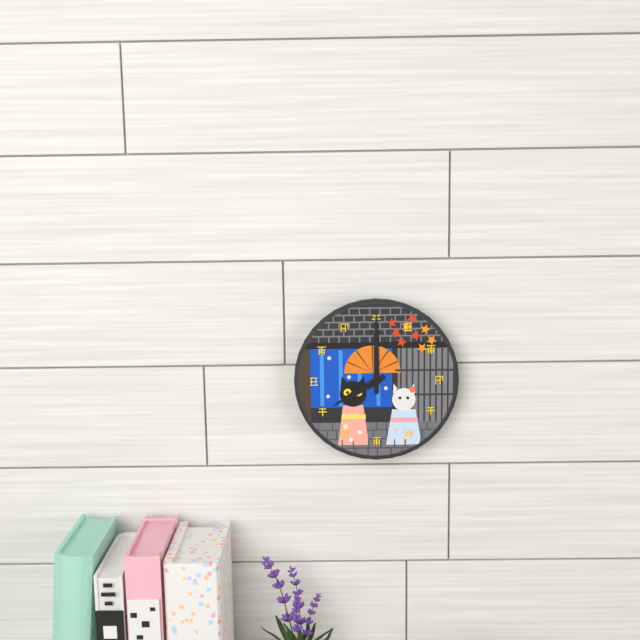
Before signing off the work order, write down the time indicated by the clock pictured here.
8:00
